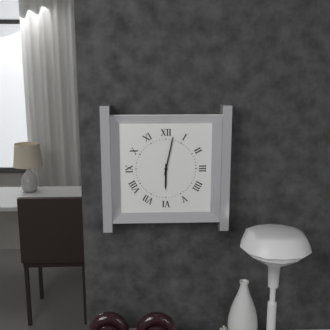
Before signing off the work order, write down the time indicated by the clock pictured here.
6:02
